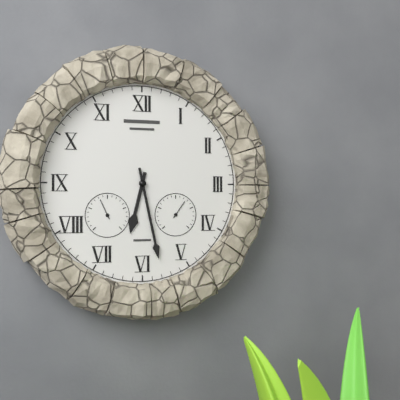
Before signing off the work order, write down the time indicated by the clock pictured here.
6:28
